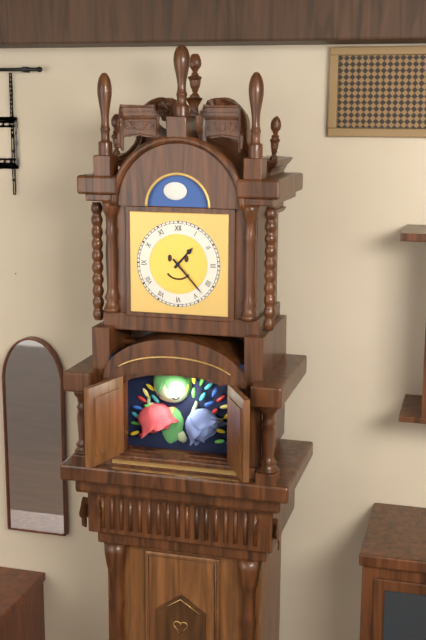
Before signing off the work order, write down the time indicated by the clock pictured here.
1:23
